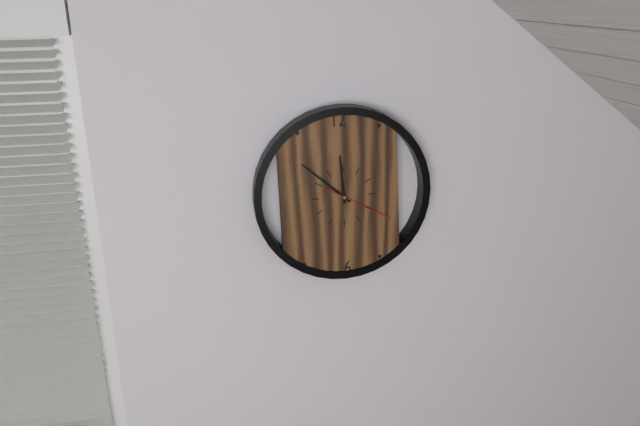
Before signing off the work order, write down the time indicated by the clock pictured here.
11:52:20
